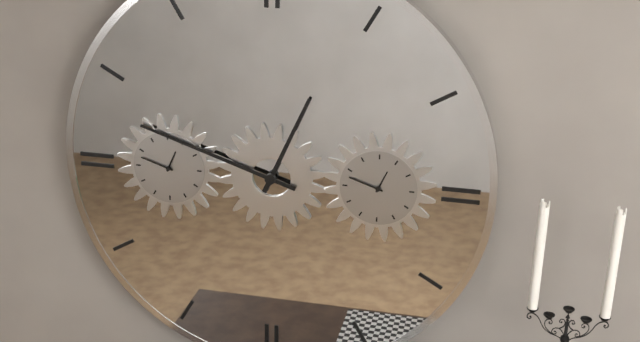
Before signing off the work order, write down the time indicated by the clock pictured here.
12:48
